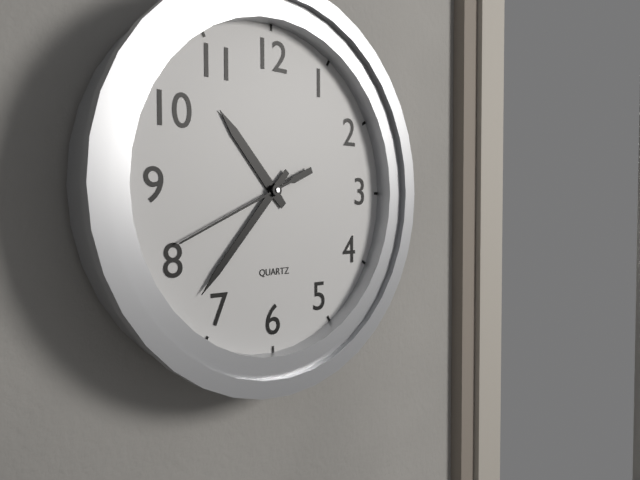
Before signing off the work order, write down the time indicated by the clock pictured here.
10:37:41
